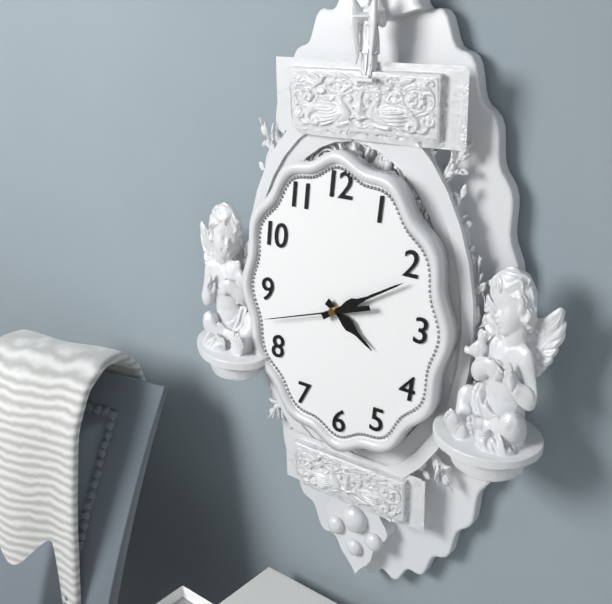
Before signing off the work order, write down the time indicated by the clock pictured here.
4:10:42
